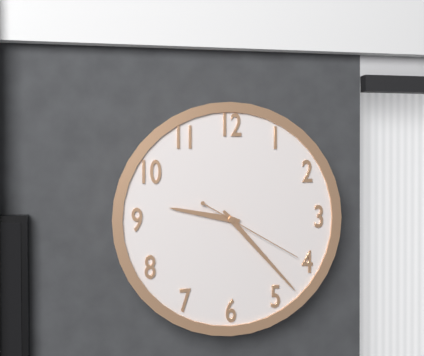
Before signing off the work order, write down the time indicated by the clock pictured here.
9:23:20
